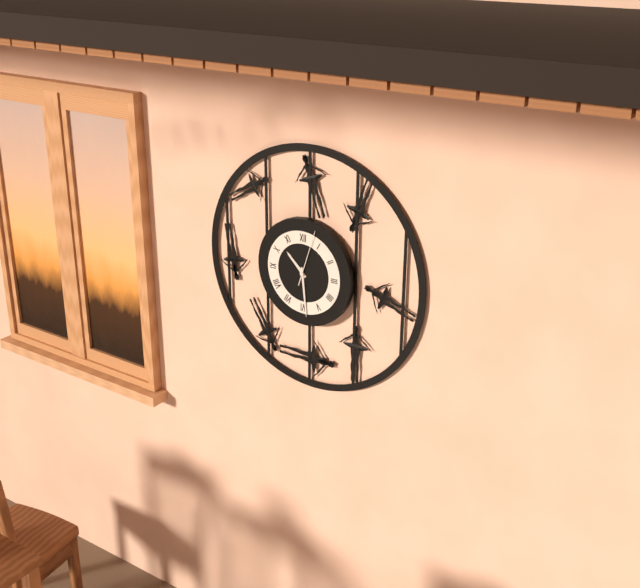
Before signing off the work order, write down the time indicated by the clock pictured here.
10:29:03
